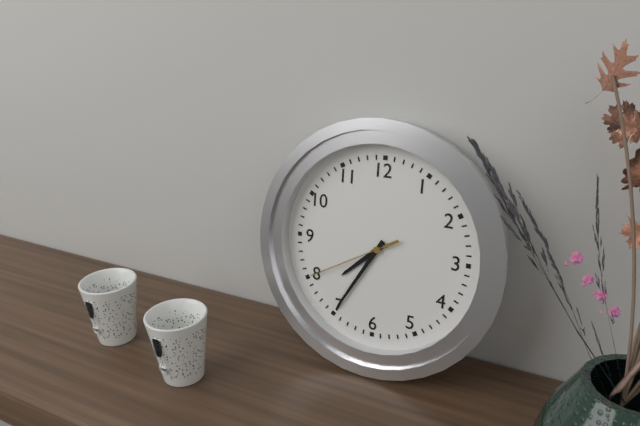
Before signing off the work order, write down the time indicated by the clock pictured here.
7:35:40
